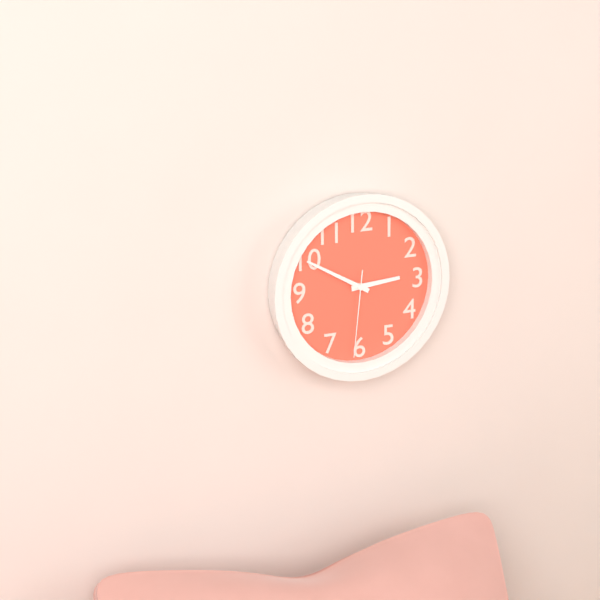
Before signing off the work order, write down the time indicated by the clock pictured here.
2:50:31
